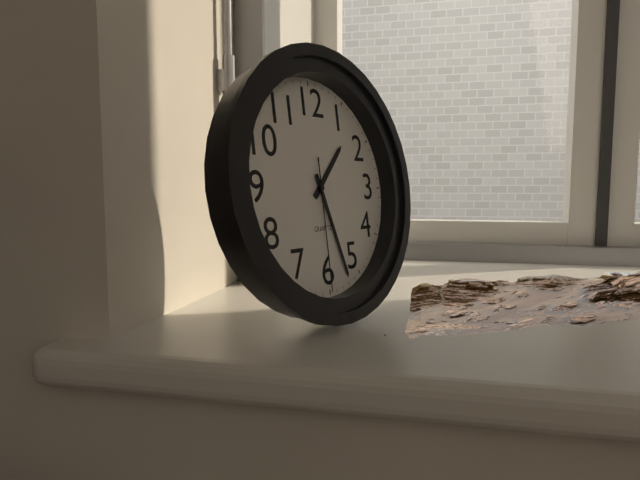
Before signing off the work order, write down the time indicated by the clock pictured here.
1:27:30
